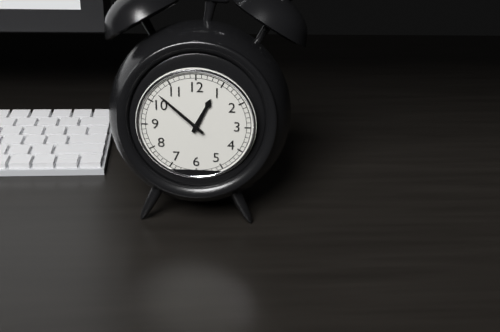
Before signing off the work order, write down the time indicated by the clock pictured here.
12:52
